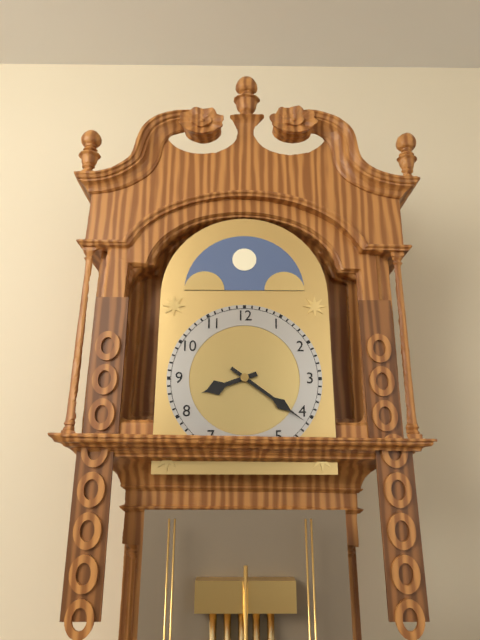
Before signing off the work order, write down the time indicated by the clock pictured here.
8:21
